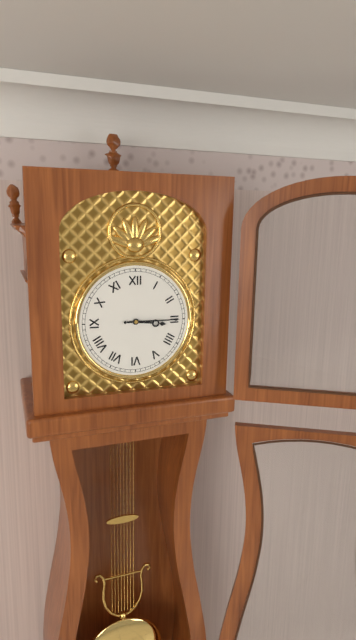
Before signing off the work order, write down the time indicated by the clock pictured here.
3:15
